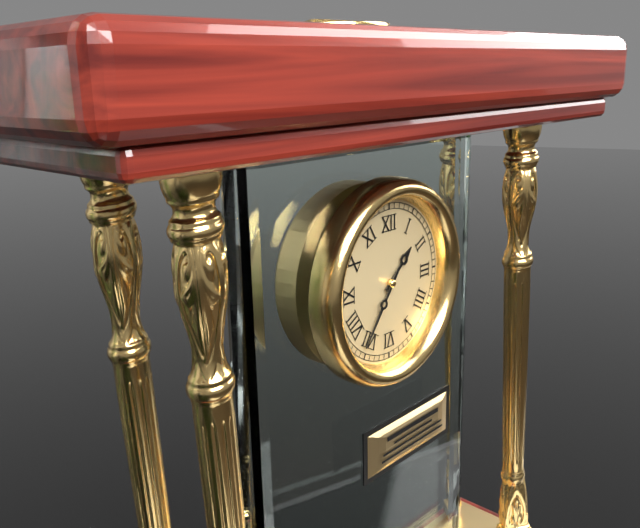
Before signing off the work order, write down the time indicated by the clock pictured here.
1:36
